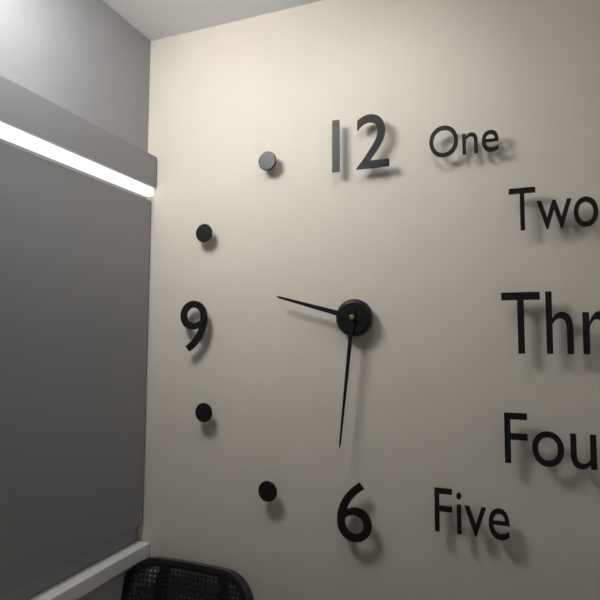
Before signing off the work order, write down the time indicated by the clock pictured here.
9:31
